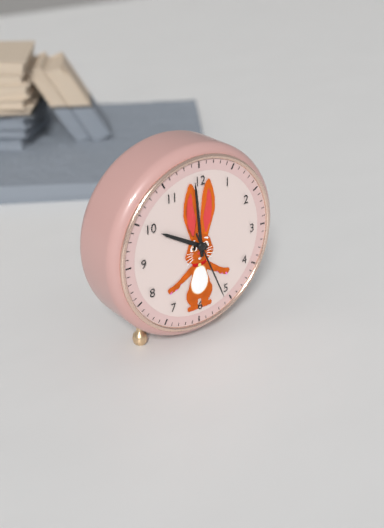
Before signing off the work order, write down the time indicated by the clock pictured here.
9:59:26
